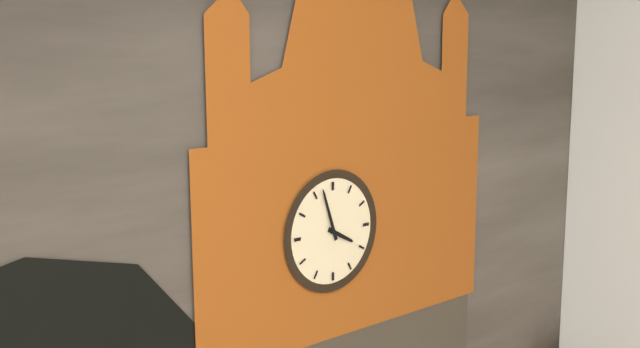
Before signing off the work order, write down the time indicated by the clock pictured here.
3:57
